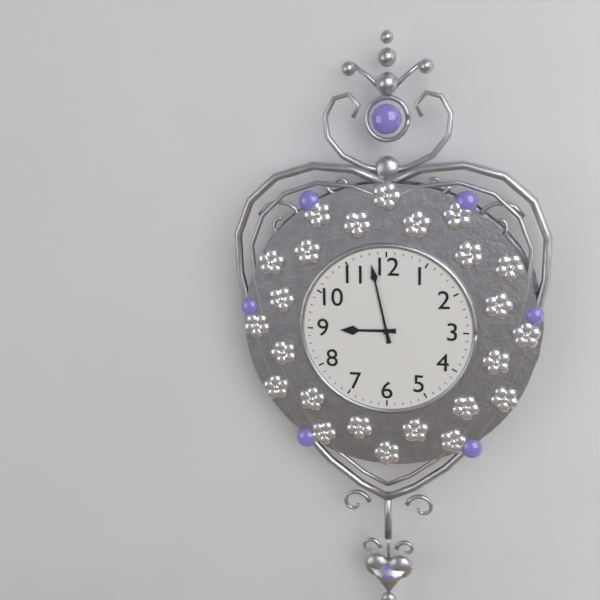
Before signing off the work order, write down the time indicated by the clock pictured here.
8:58
